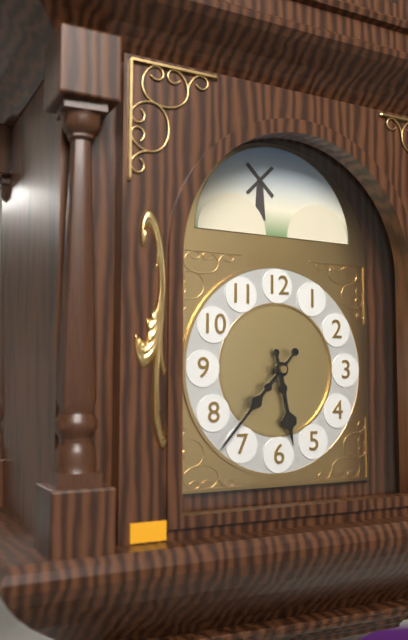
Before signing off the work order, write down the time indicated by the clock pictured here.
5:37
